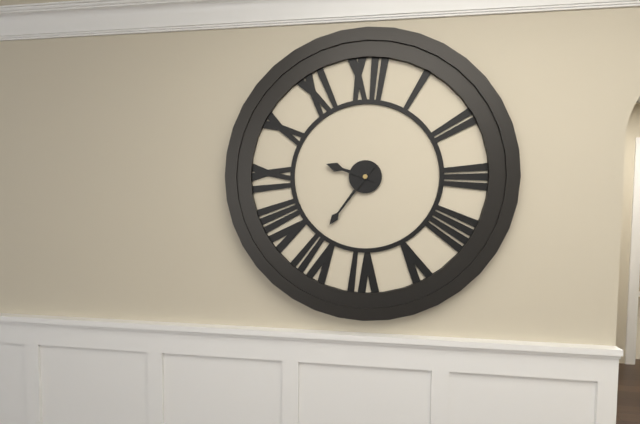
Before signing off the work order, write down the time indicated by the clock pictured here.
9:36
